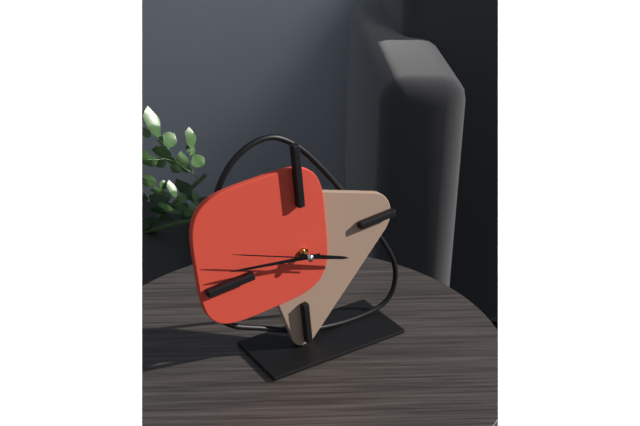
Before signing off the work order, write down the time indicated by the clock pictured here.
3:47:49
